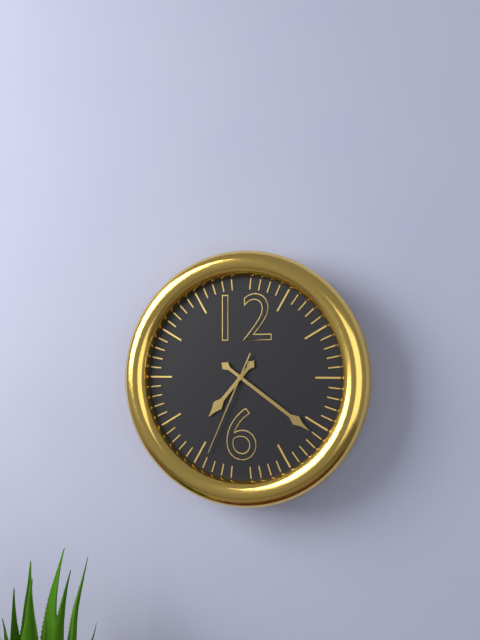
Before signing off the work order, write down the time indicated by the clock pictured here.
7:21:34
